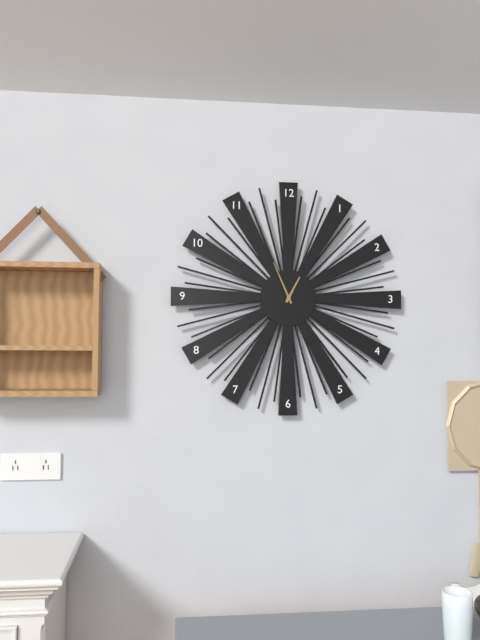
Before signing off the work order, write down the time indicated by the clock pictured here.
12:56
